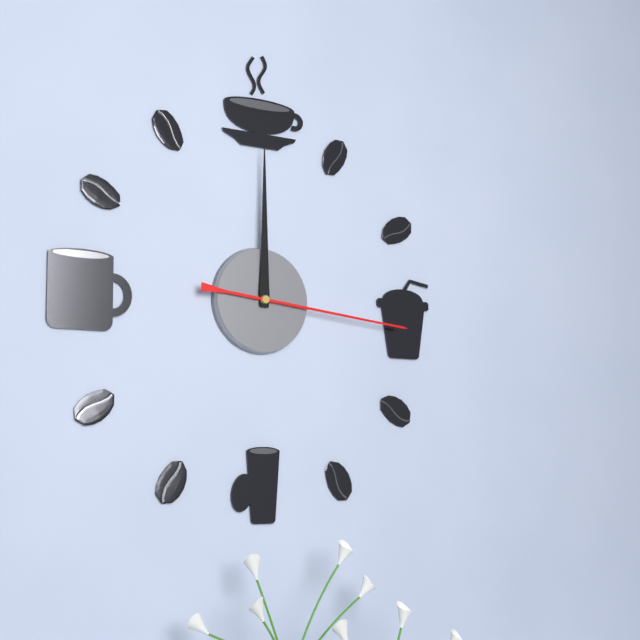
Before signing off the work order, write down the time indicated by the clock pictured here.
12:00:16
